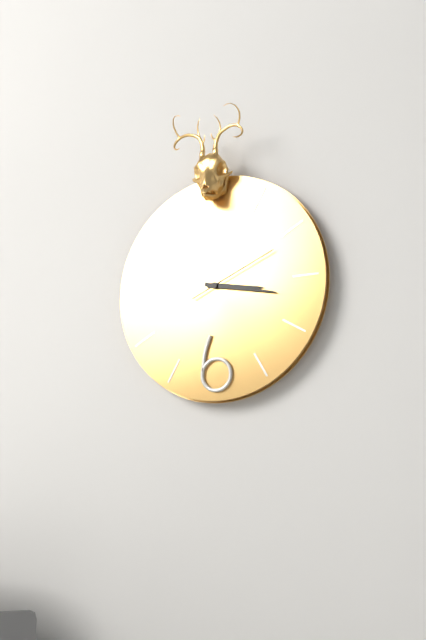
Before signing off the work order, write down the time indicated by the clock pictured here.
3:17:11
